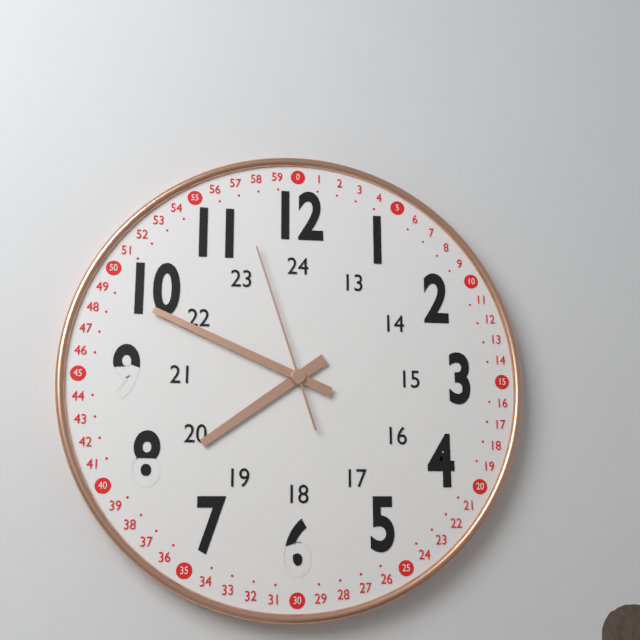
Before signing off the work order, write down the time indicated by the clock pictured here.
7:49:57
